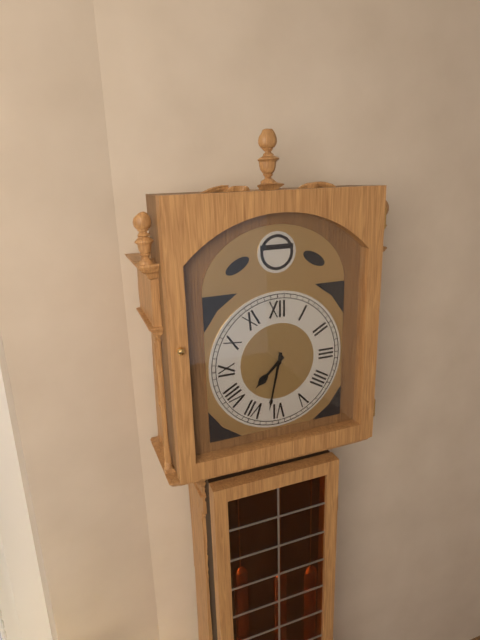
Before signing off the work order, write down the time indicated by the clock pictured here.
7:32
